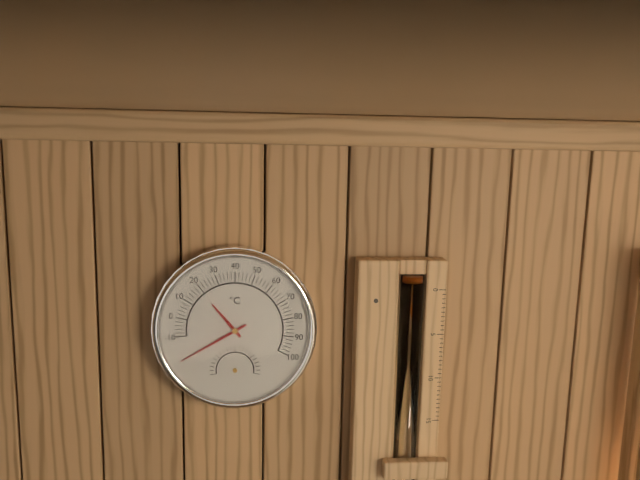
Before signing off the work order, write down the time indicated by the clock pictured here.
10:40
